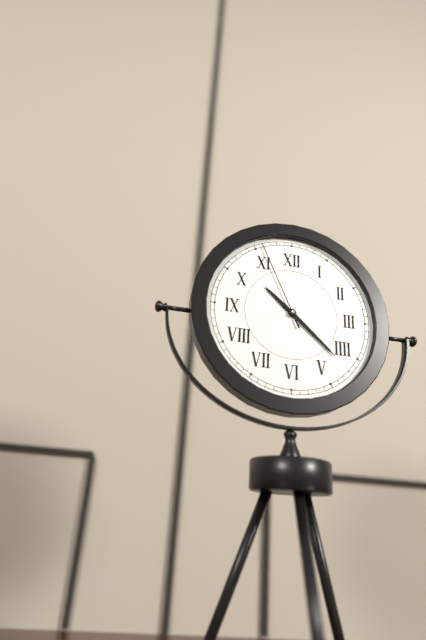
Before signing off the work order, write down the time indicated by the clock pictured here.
10:22:56
